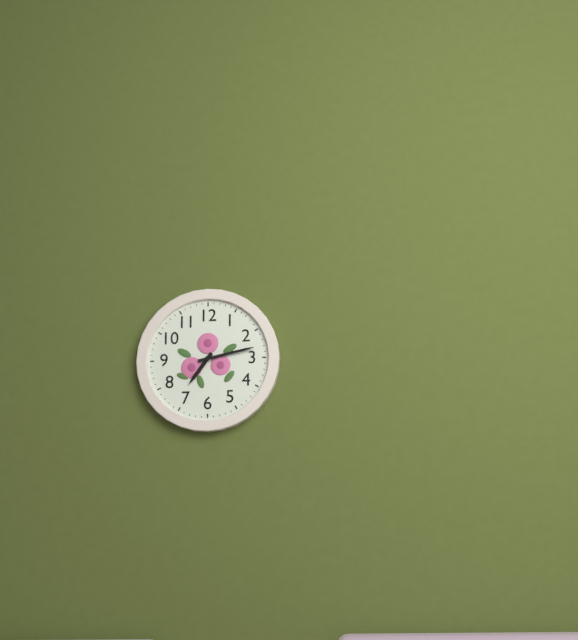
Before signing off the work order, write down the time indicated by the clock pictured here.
7:13
